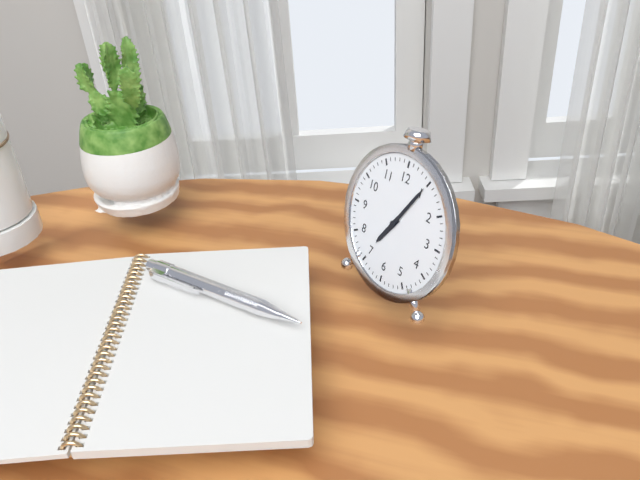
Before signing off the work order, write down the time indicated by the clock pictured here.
7:05
